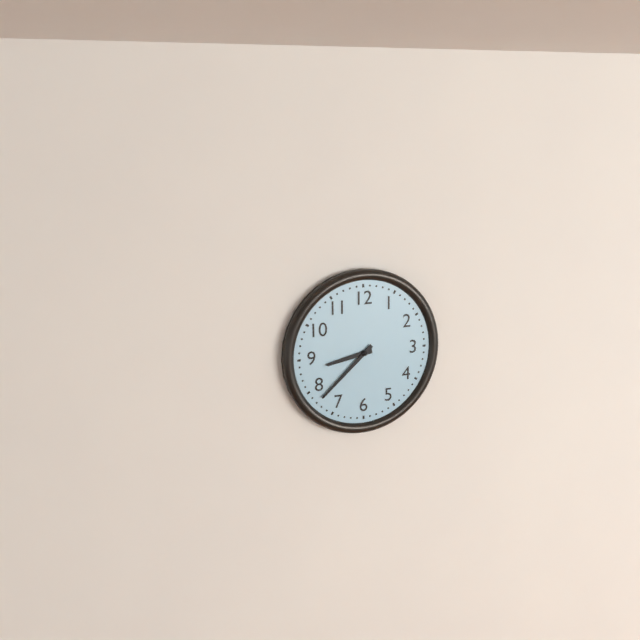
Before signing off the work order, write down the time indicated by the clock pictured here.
8:38
